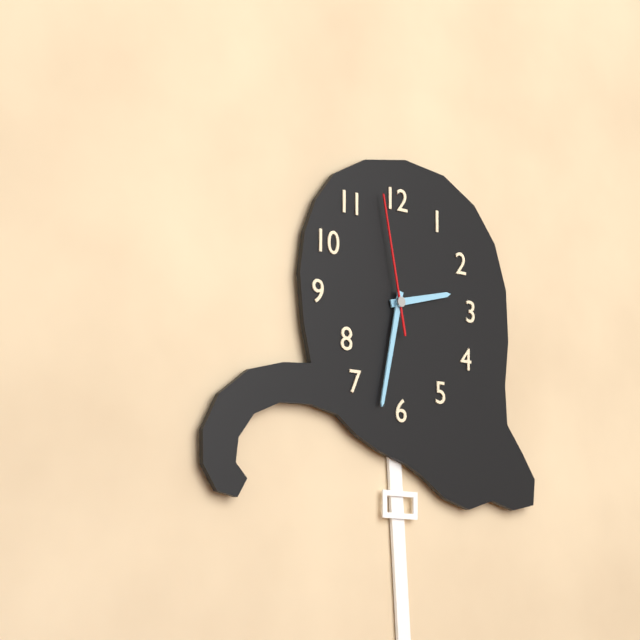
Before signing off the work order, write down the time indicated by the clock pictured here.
2:32:58
